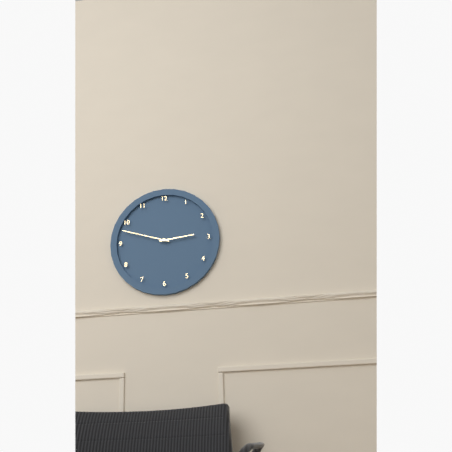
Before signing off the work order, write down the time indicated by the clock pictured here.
2:48
